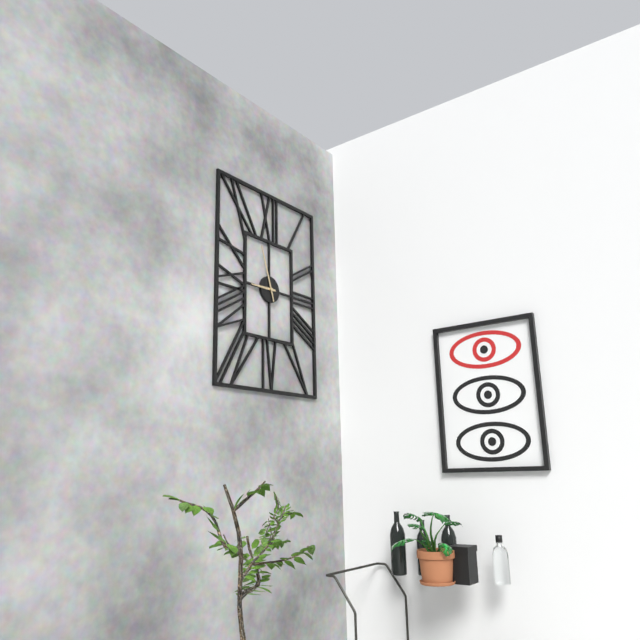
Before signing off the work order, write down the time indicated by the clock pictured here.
8:57
